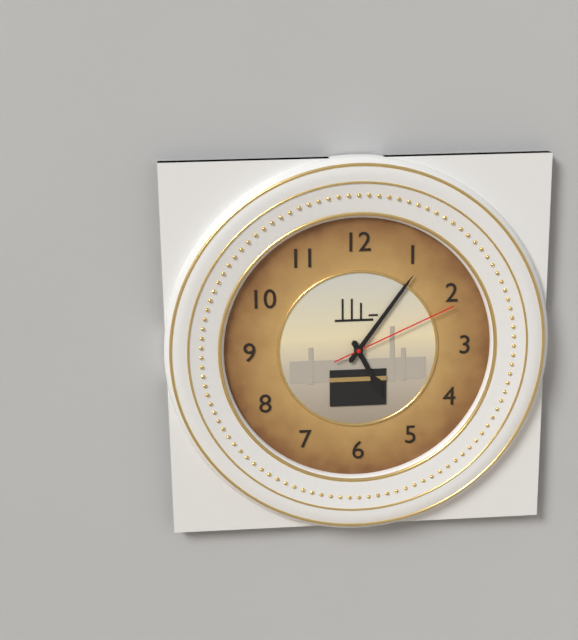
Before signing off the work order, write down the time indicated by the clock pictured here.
5:06:11
